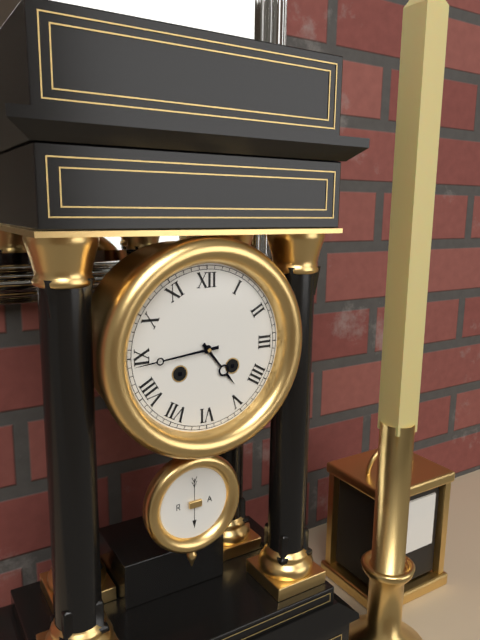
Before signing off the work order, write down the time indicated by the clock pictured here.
4:44
